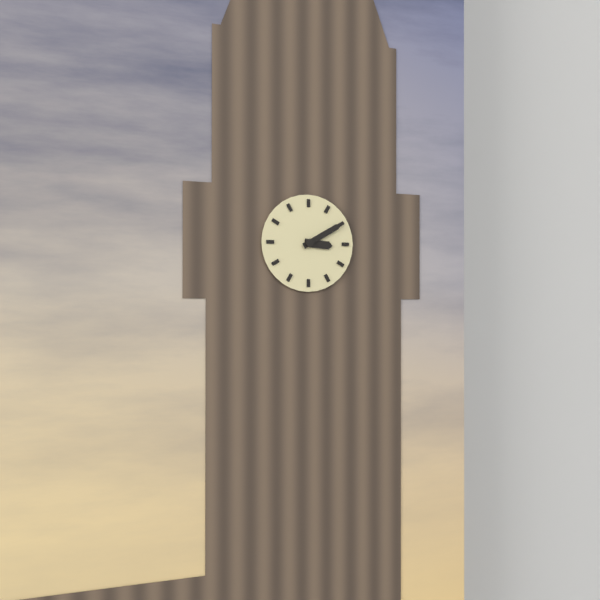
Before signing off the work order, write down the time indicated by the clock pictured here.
3:10
